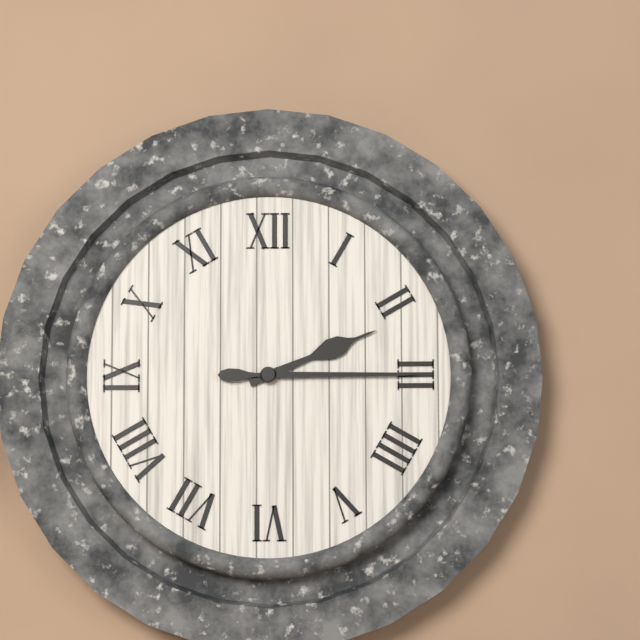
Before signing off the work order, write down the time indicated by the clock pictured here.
2:15
